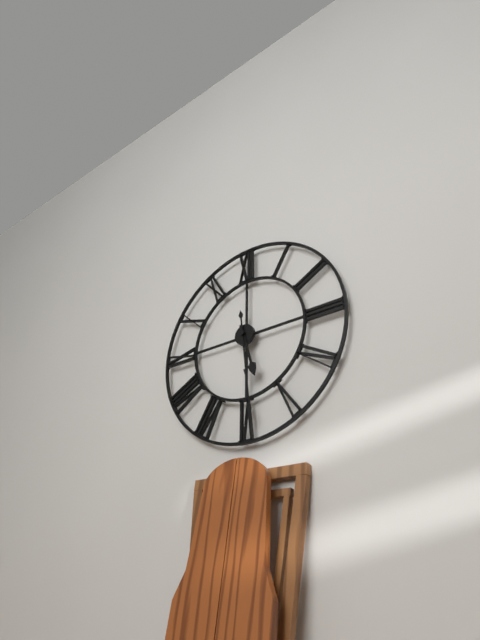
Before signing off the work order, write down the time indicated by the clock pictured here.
5:29
